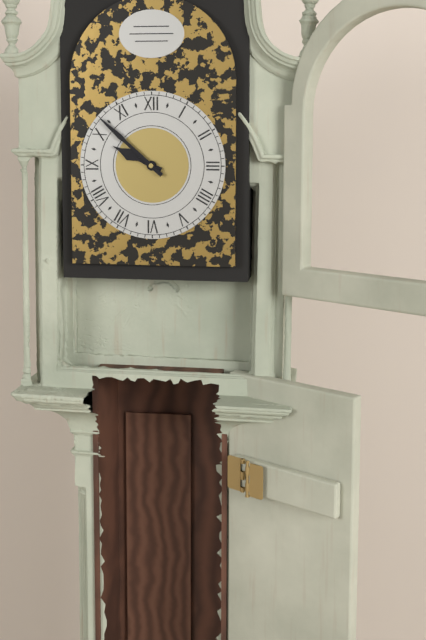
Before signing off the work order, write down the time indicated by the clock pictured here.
9:52
